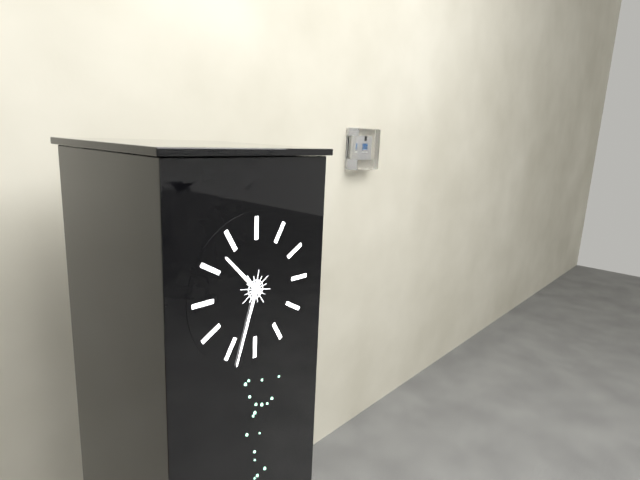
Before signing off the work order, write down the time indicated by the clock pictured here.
10:33
